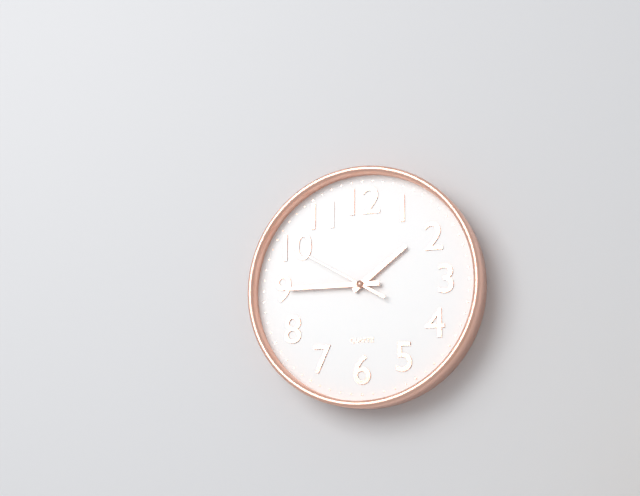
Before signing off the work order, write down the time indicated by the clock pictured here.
1:45:50
